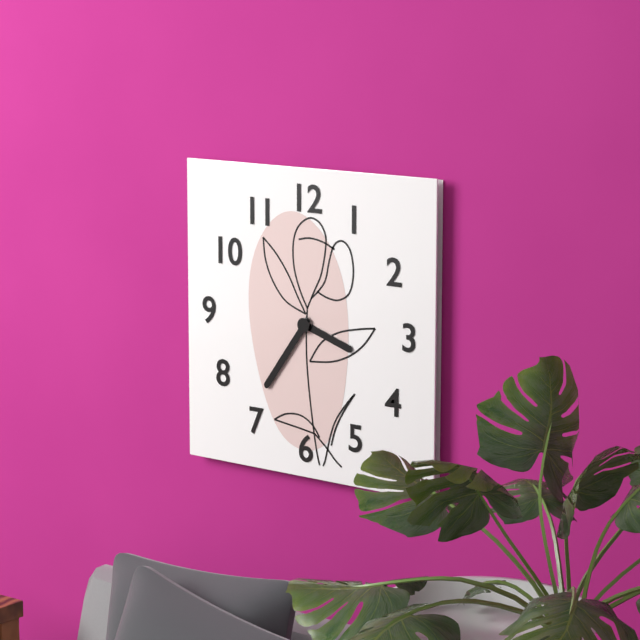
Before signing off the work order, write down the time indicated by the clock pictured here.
3:36
